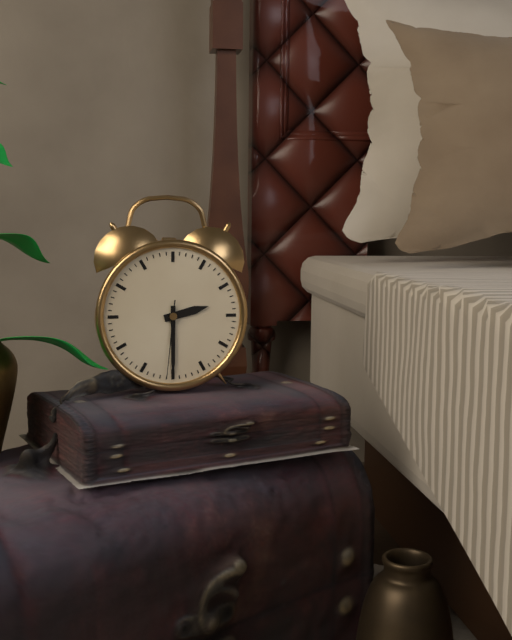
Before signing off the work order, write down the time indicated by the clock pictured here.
2:30:31
